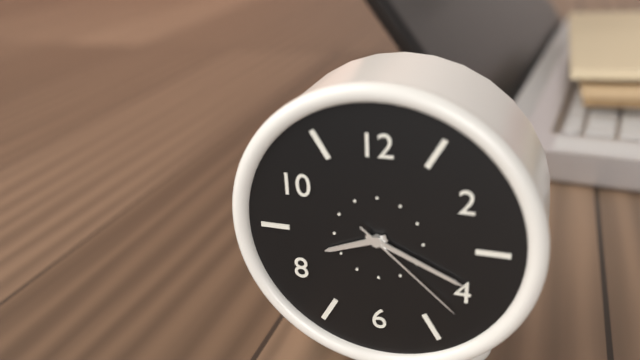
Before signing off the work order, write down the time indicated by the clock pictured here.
8:19:22
